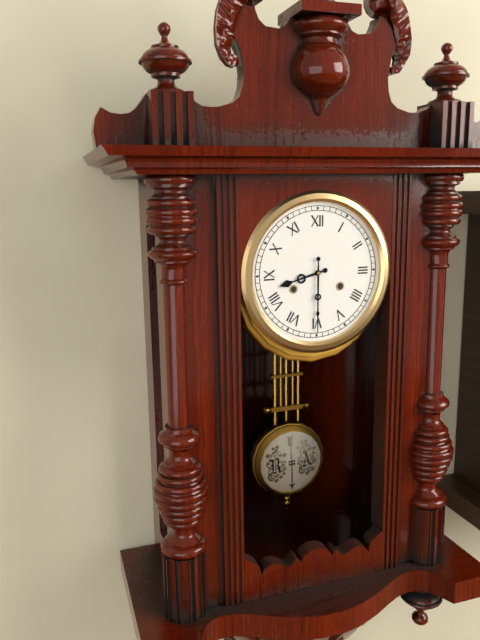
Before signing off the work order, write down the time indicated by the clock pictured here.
8:30
